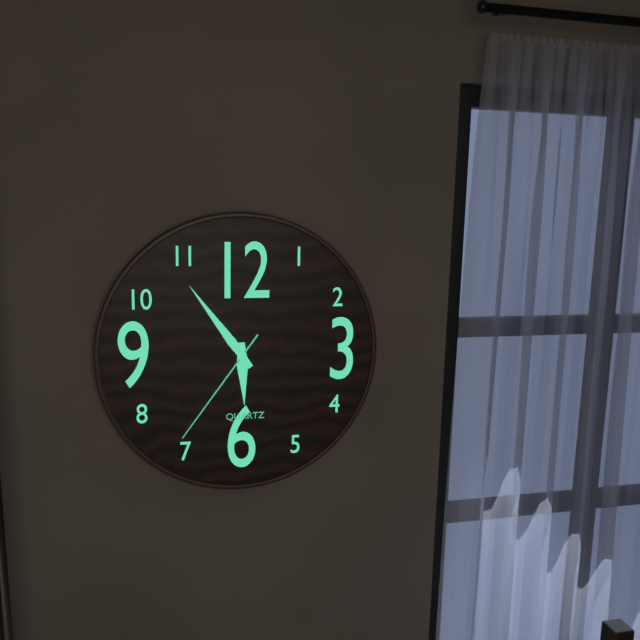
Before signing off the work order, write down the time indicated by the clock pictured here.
5:54:36
